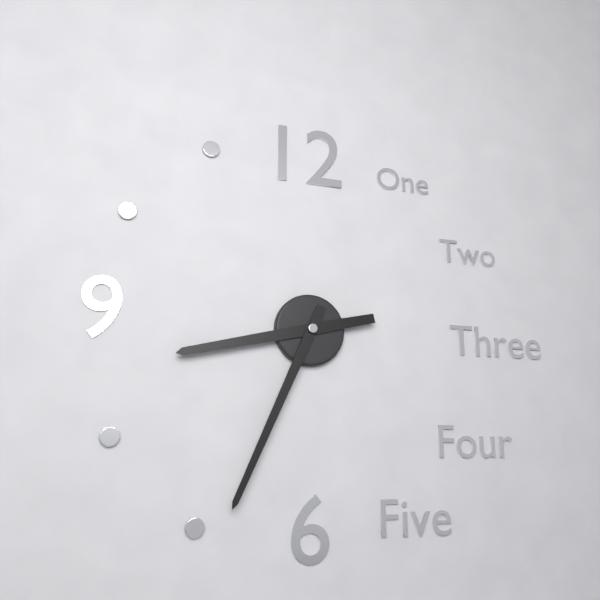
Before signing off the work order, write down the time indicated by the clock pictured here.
8:34
